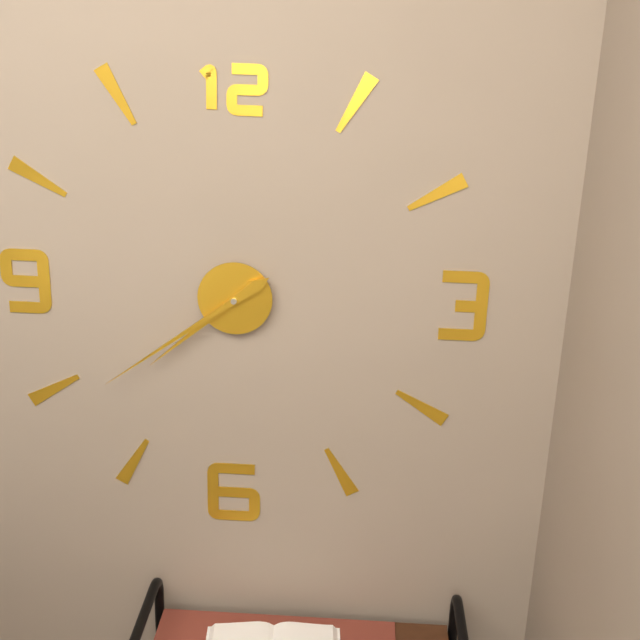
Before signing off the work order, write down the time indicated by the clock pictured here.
7:39
